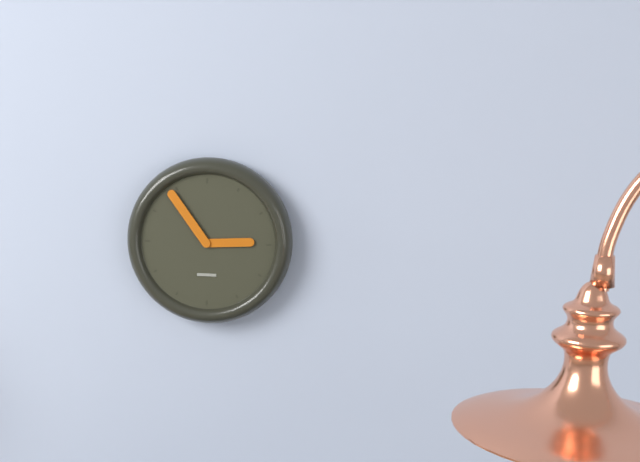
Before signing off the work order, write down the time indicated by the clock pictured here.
2:54
